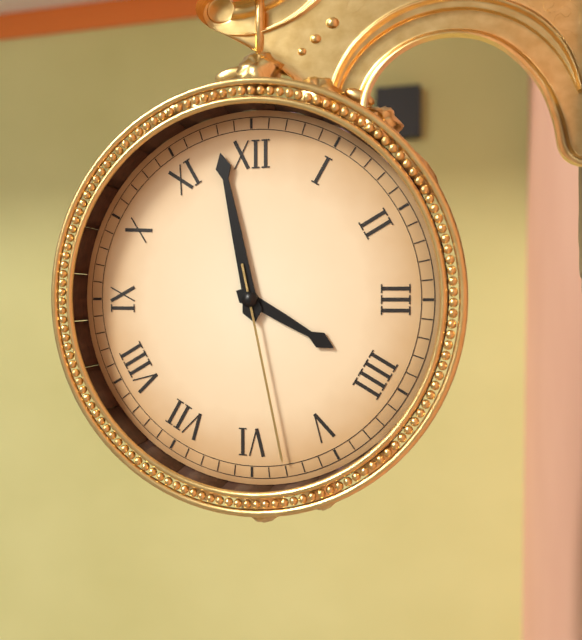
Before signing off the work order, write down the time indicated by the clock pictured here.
3:58:28
